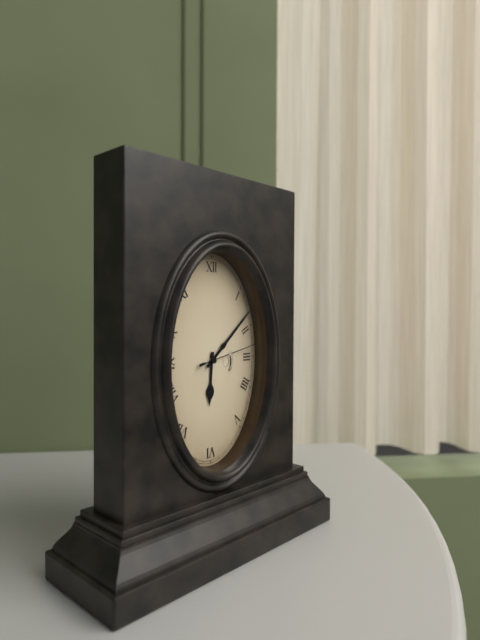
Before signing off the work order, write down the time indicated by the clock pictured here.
6:08:13
